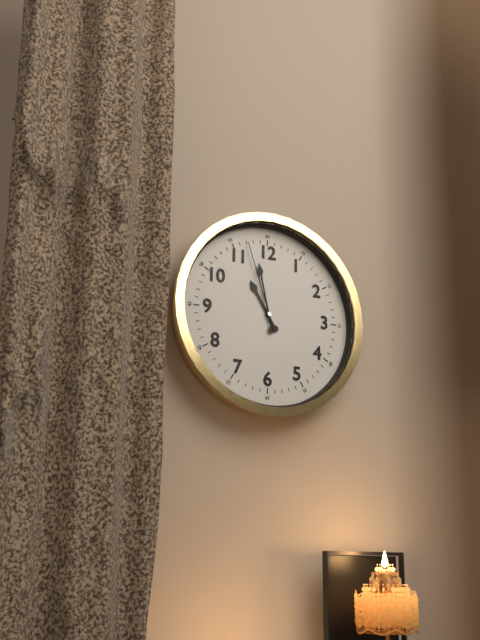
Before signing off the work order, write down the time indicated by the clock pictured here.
10:58:57
